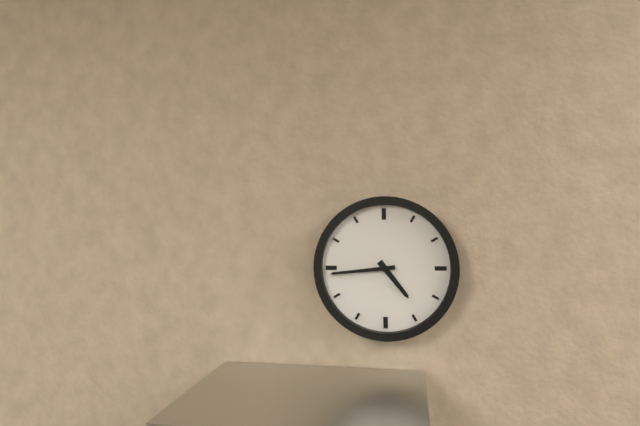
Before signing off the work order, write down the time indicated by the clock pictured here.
4:44
